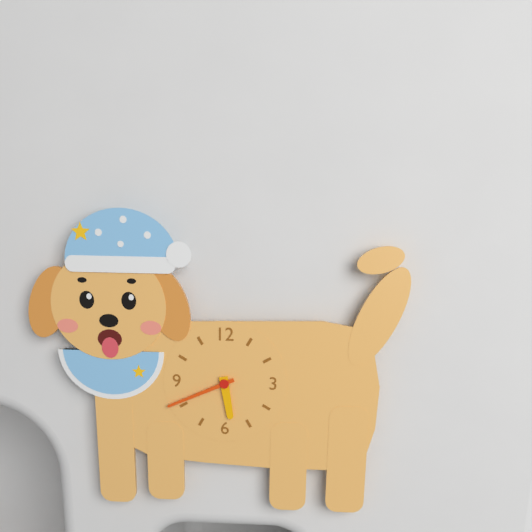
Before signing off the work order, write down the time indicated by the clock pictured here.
5:41
